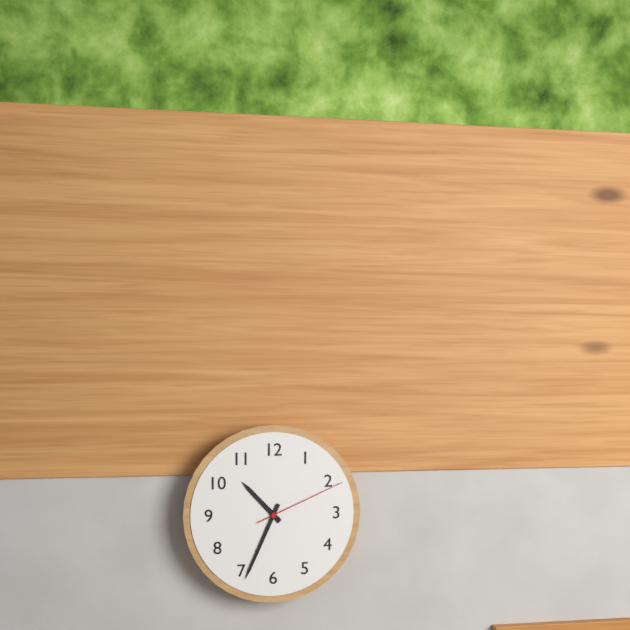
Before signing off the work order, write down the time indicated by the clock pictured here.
10:34:11
